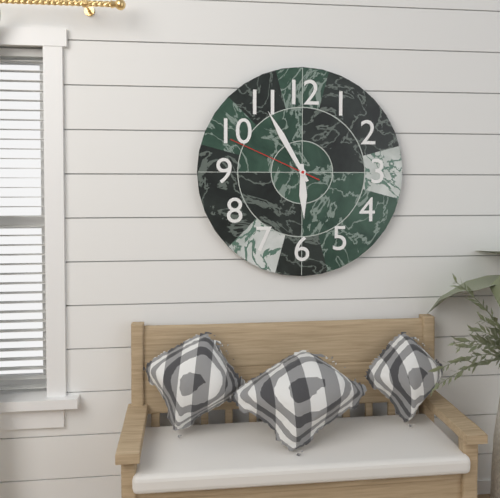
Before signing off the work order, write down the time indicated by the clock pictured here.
5:55:49
